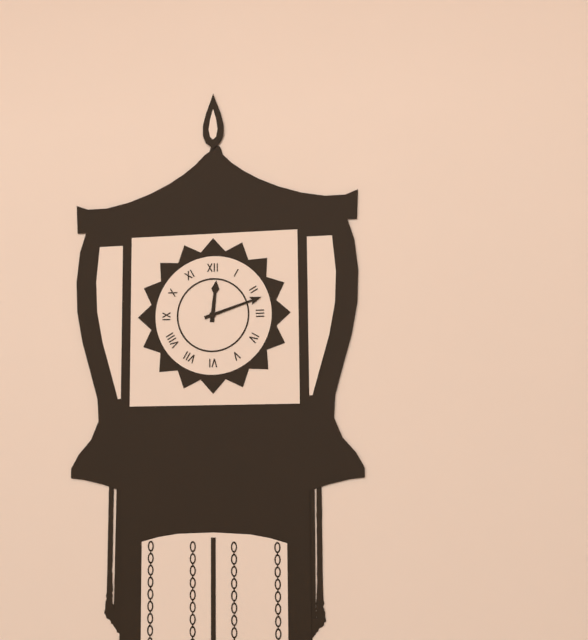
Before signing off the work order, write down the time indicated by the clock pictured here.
12:12
